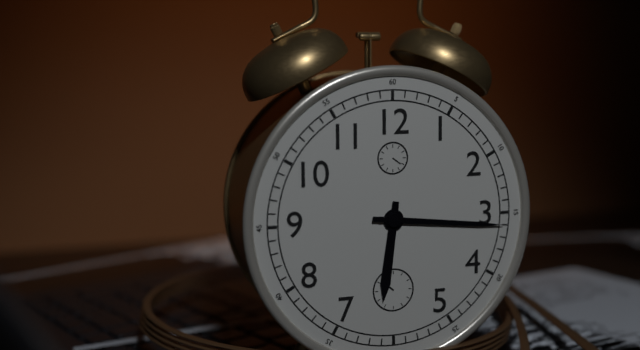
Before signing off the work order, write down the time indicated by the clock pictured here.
6:16
